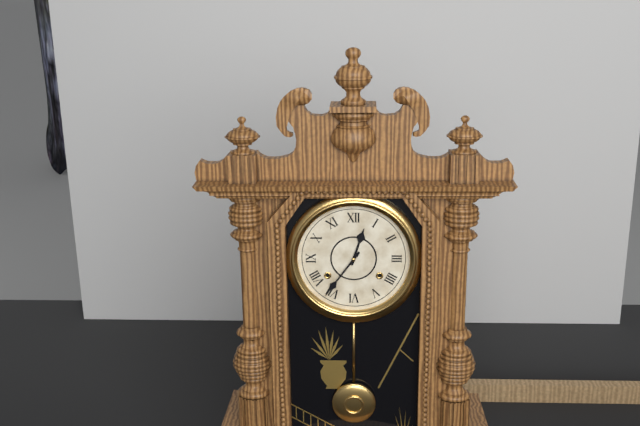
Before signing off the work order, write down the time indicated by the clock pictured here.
12:36
